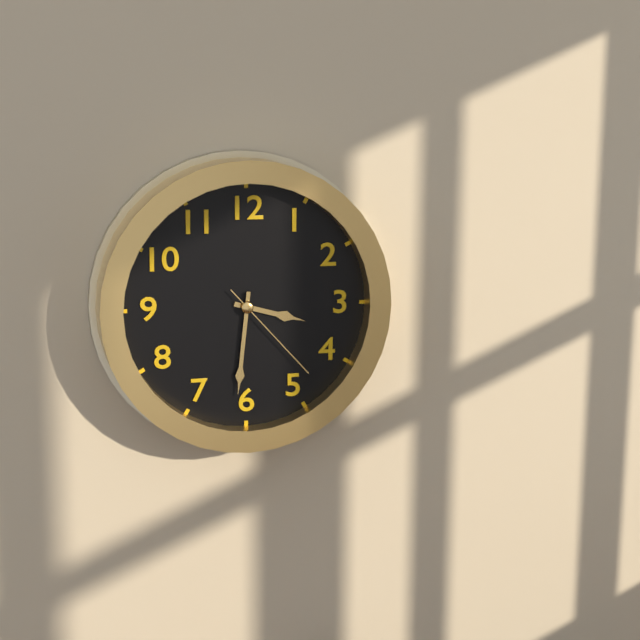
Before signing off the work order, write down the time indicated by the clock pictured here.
3:31:23
